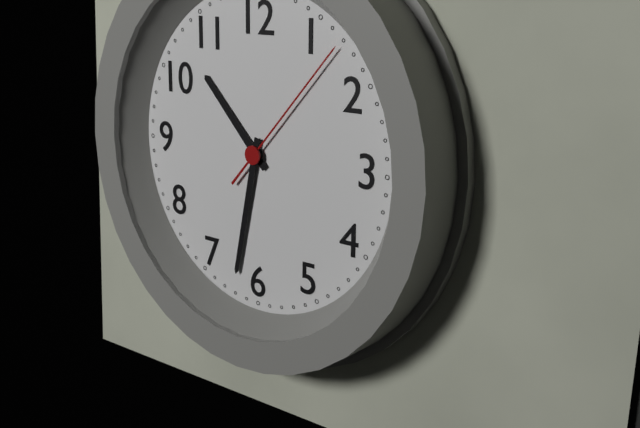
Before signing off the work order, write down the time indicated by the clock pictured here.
10:32:07
